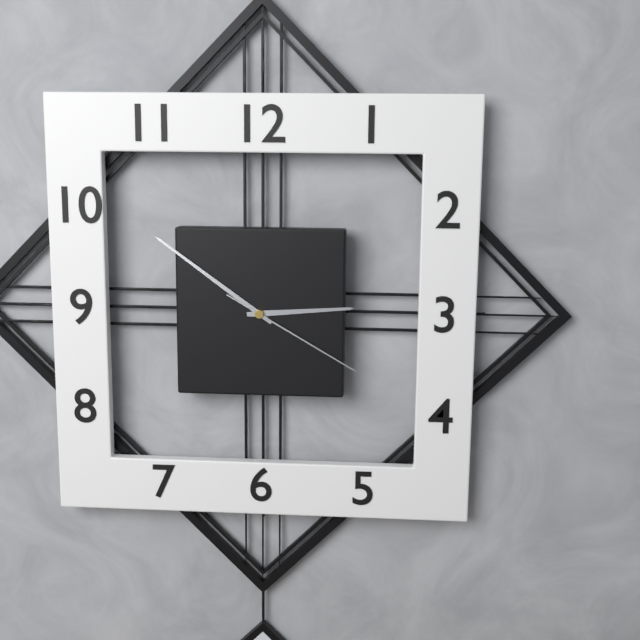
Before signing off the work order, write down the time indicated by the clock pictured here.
2:51:20
